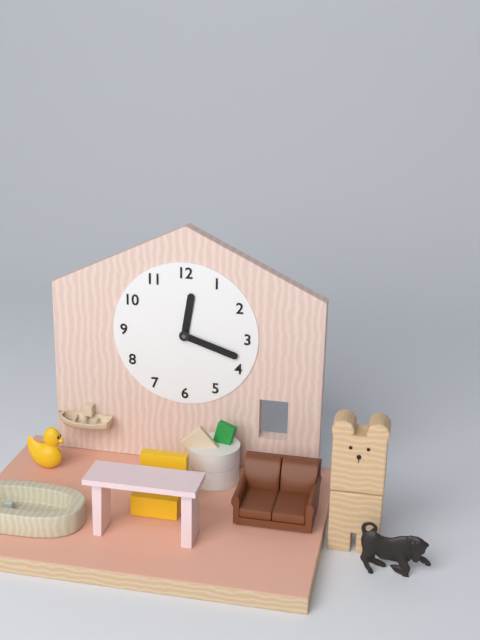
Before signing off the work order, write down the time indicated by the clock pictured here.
12:18
